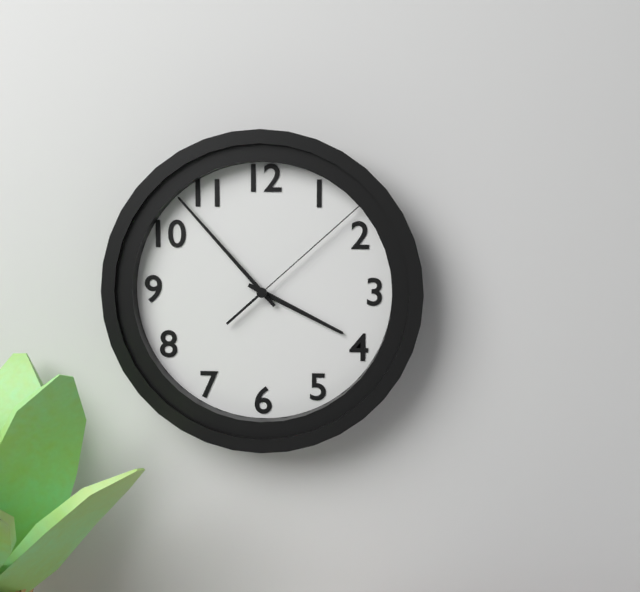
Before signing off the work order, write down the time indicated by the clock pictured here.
3:53:08
